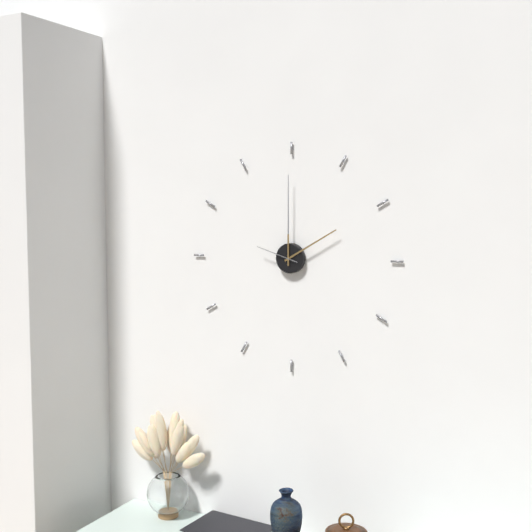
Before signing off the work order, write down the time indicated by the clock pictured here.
2:00
